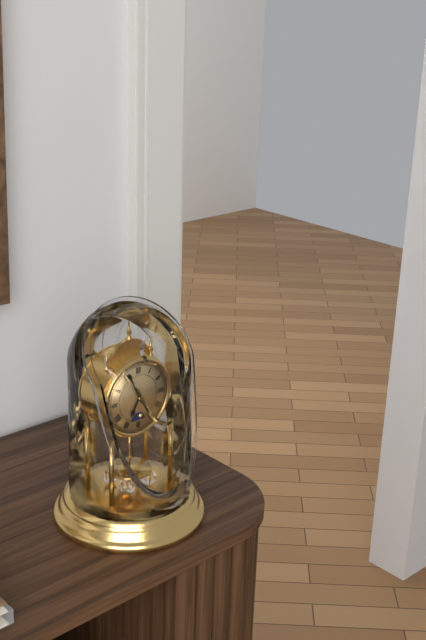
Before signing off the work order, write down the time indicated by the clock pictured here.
6:56
